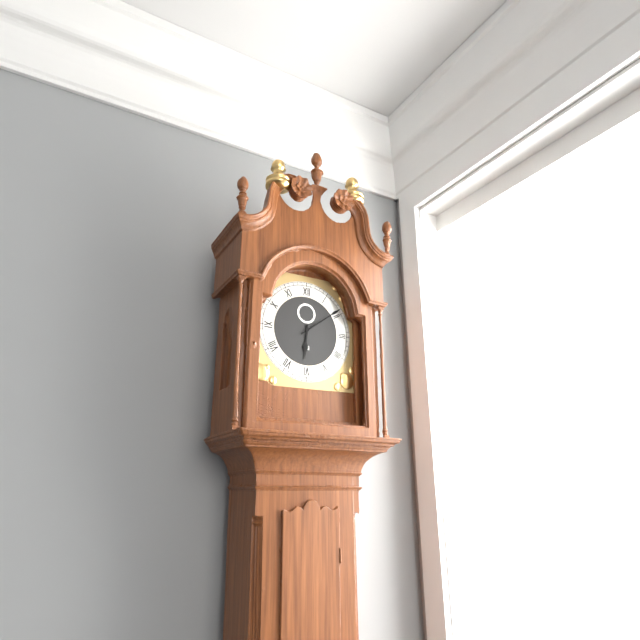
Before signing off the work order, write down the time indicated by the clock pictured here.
6:09
